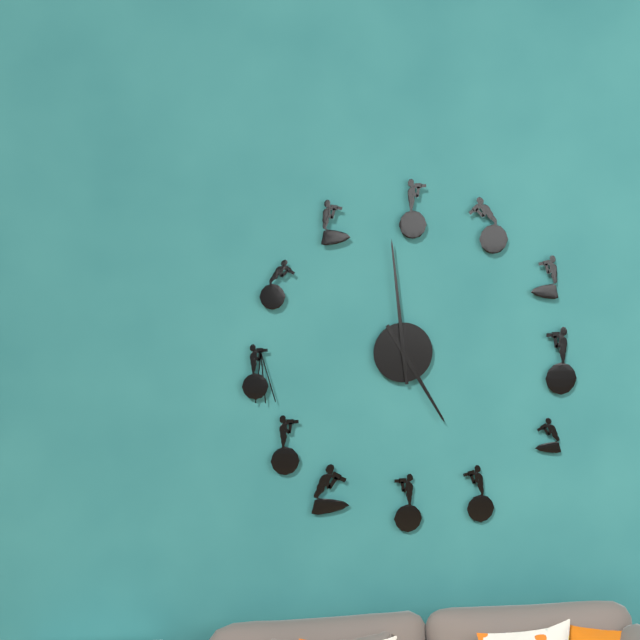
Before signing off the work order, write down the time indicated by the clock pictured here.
4:59
